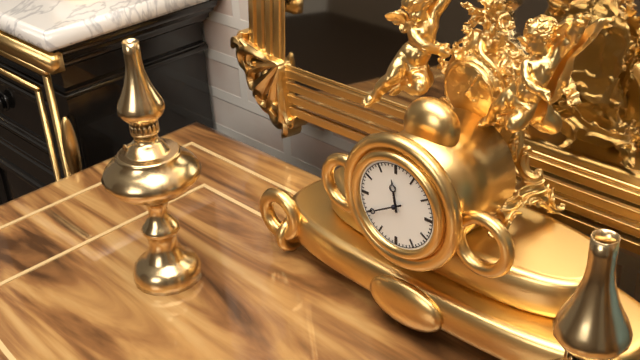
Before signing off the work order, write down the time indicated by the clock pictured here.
11:40
